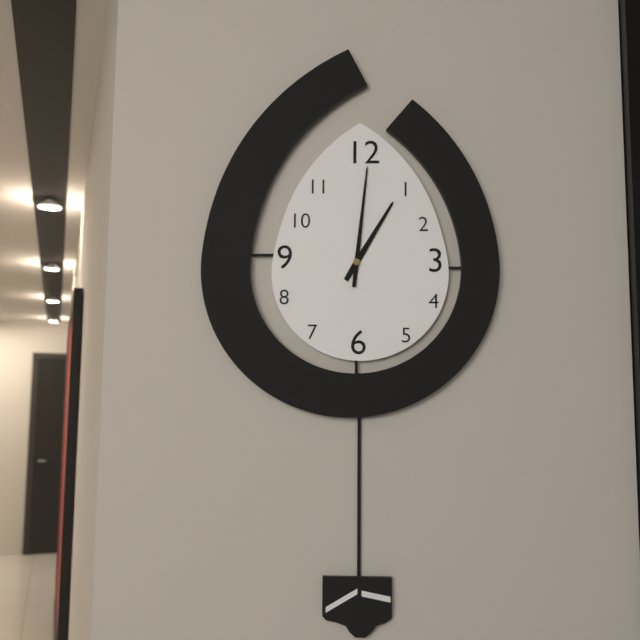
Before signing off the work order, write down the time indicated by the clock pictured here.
1:01
